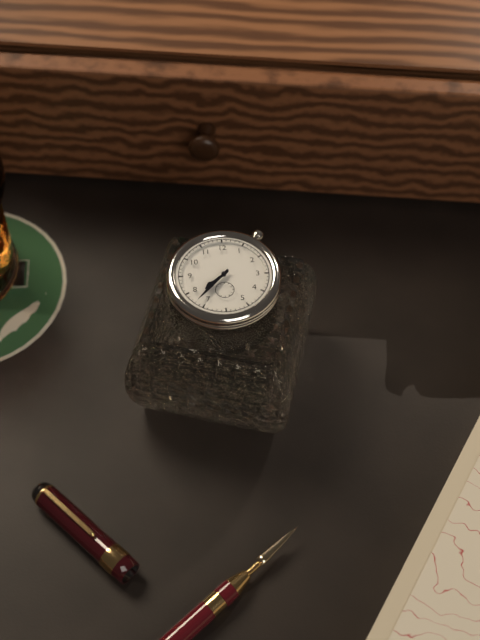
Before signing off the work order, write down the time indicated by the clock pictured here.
7:37
